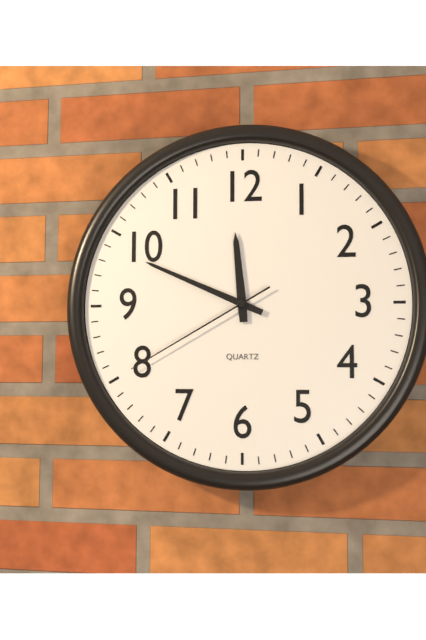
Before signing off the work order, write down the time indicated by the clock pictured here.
11:49:40
